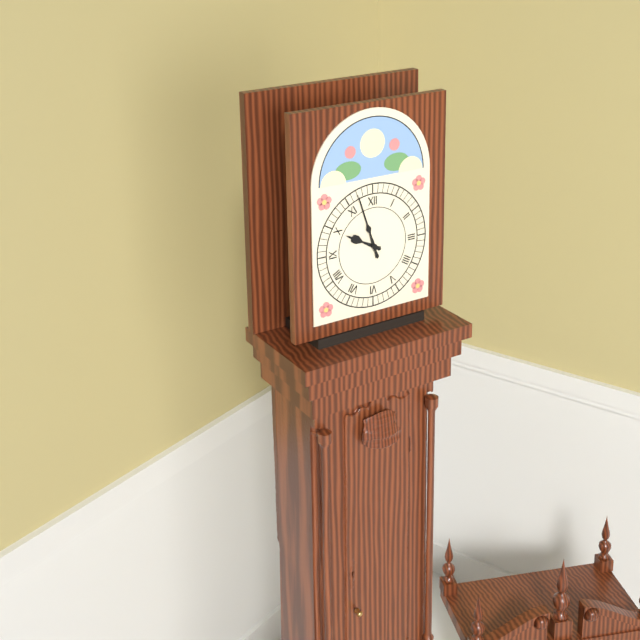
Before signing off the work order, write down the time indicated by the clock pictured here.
9:57
